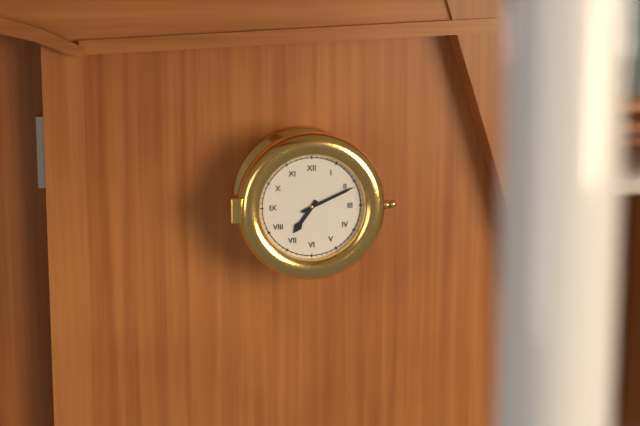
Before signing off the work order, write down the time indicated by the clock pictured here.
7:11
